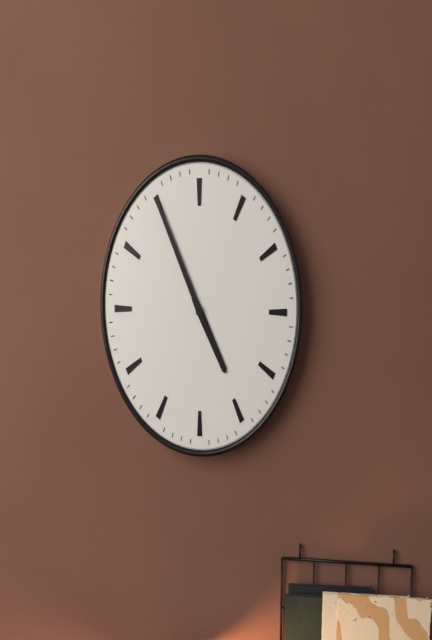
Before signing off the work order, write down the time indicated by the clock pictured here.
4:55
